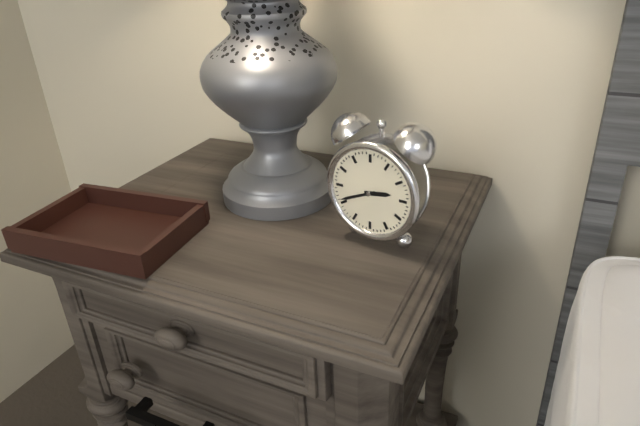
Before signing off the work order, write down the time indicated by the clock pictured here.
2:41
